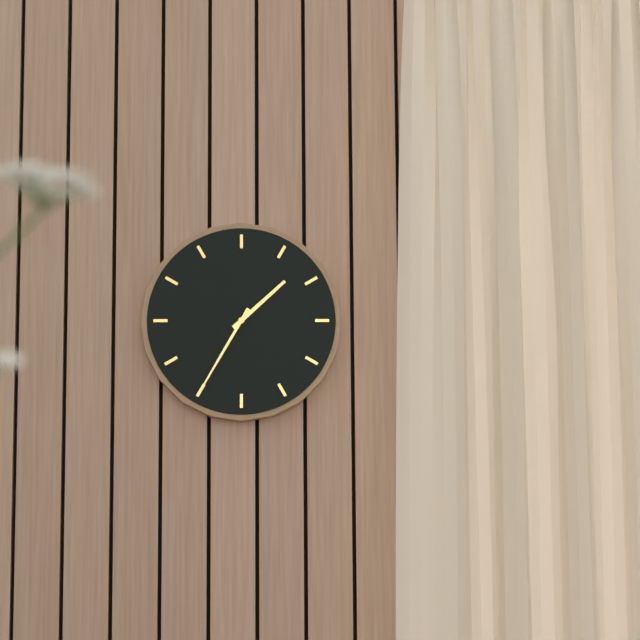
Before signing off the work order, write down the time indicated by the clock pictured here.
1:35
